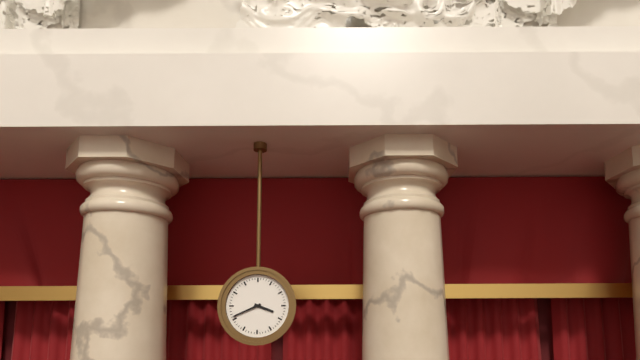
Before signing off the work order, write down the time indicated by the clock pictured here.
3:41
